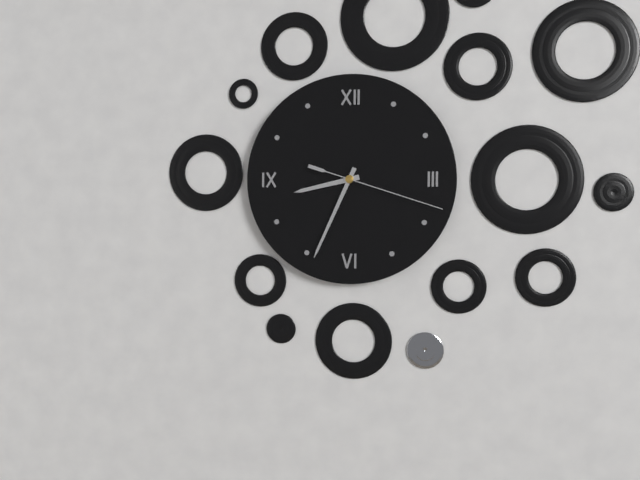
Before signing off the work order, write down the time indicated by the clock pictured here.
8:34:18
